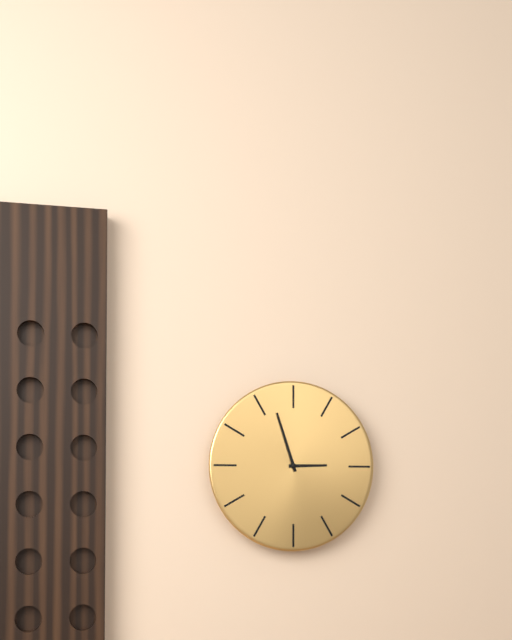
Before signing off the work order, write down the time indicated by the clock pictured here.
2:57
